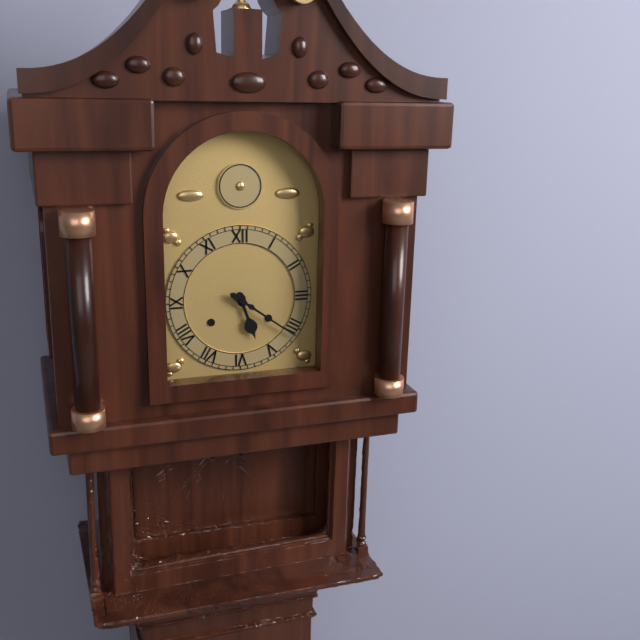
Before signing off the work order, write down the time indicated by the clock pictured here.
5:21
